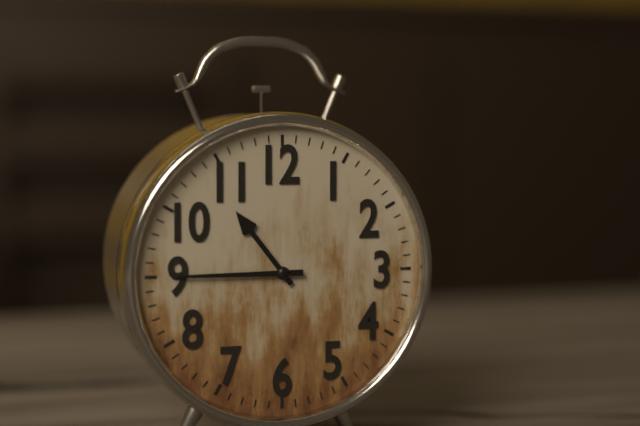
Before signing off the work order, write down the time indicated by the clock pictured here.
10:45
